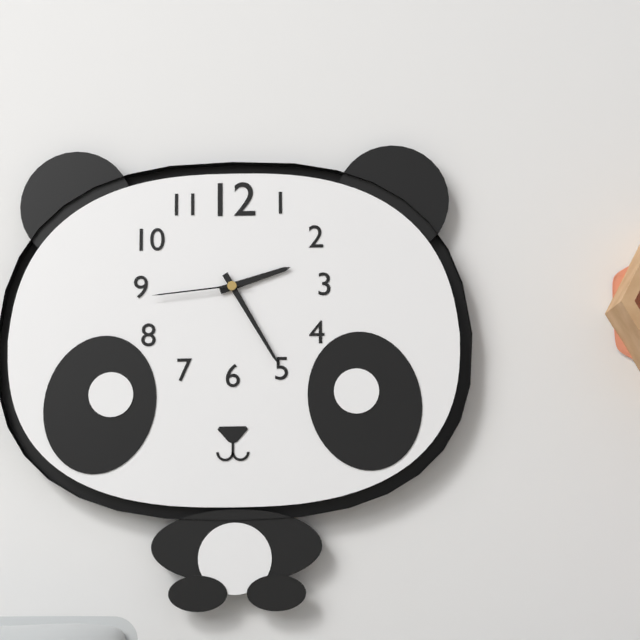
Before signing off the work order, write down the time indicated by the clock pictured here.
2:25:44
